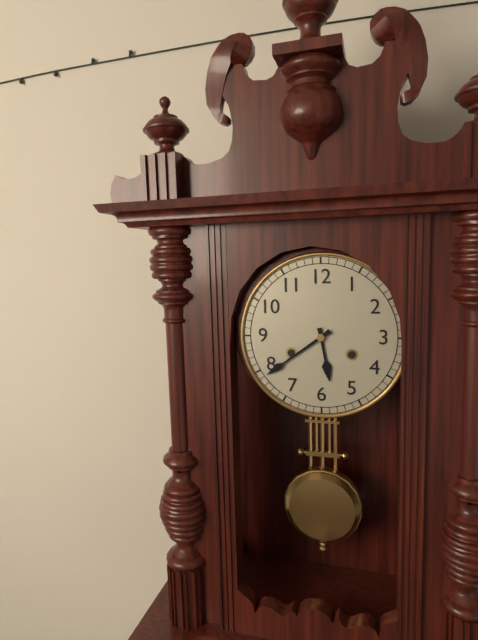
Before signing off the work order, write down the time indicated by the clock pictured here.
5:39
